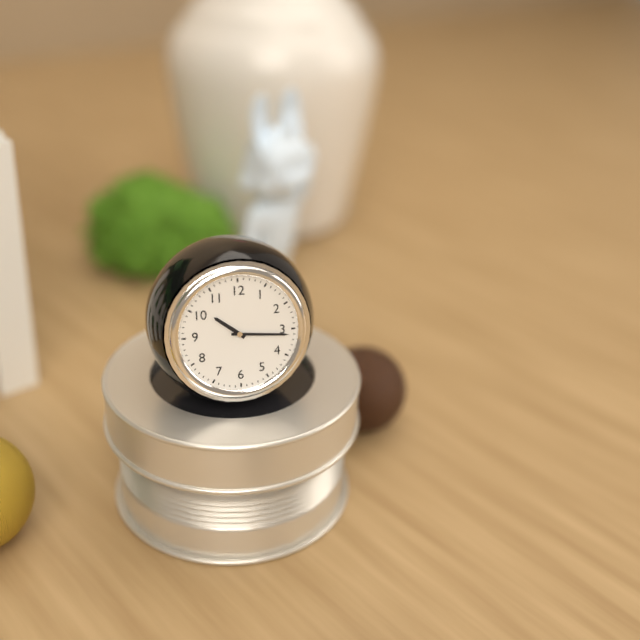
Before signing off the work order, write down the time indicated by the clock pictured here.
10:16
